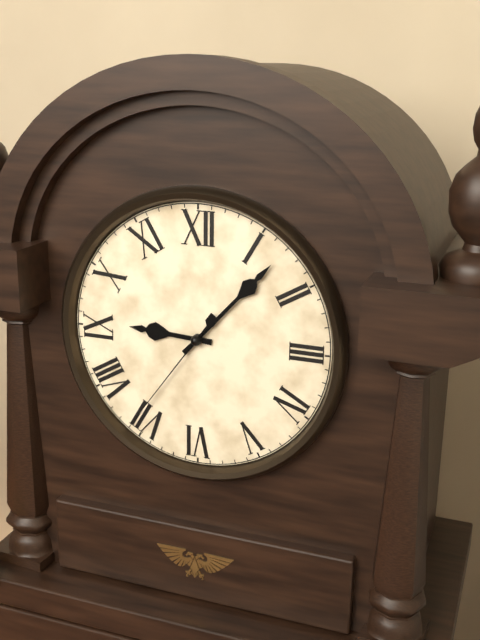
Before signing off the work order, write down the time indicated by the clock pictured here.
9:07:36
